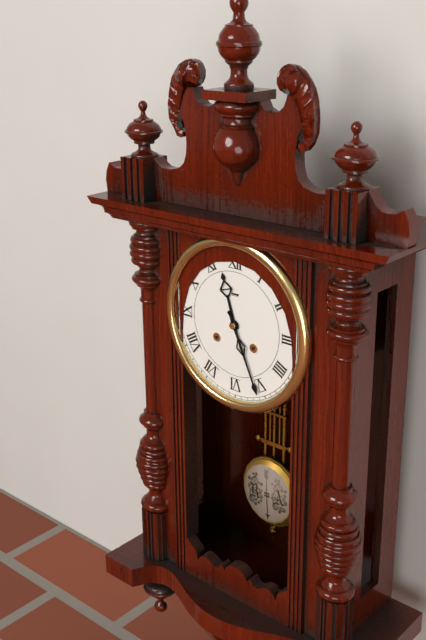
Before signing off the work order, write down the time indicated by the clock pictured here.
11:26
